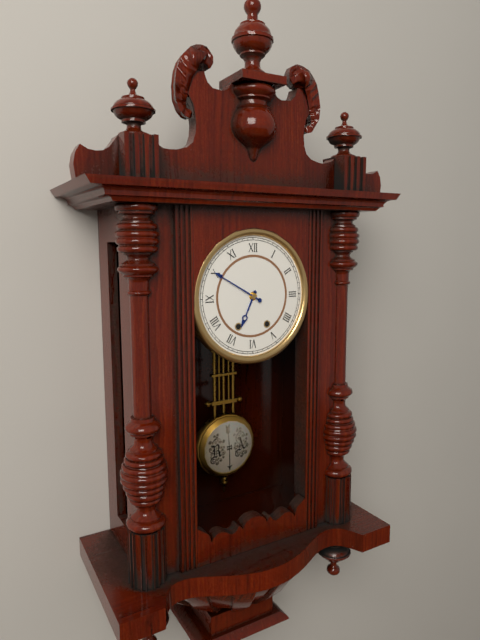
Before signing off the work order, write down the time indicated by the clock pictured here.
6:50
